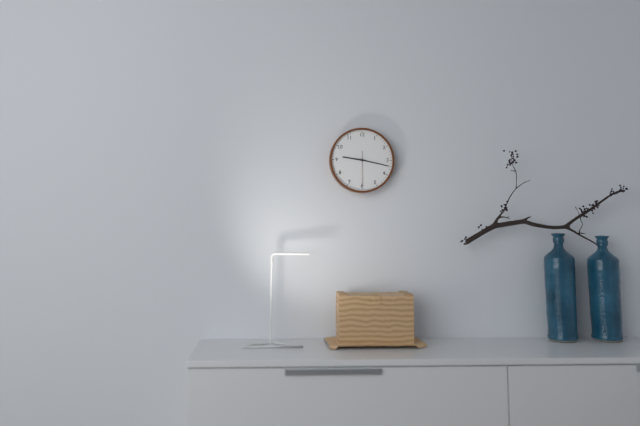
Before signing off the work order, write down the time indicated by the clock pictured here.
9:17
